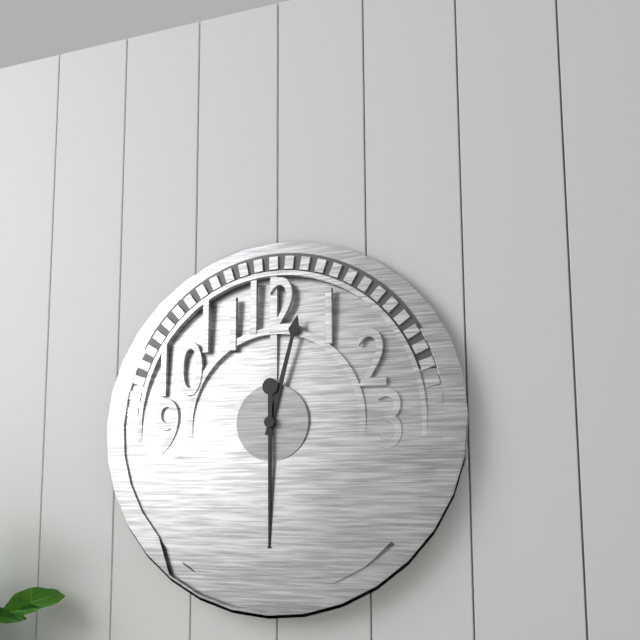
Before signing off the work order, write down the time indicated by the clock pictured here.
12:30
